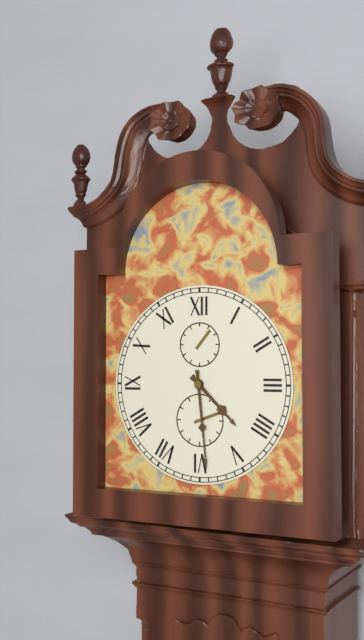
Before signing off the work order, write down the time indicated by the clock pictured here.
4:29
